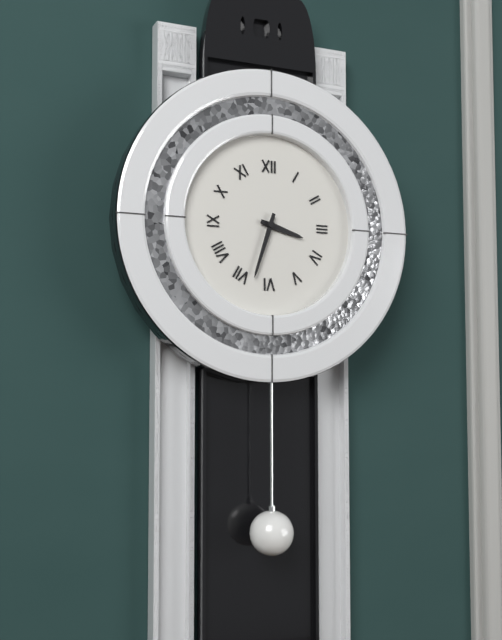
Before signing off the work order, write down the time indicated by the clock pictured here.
3:33
